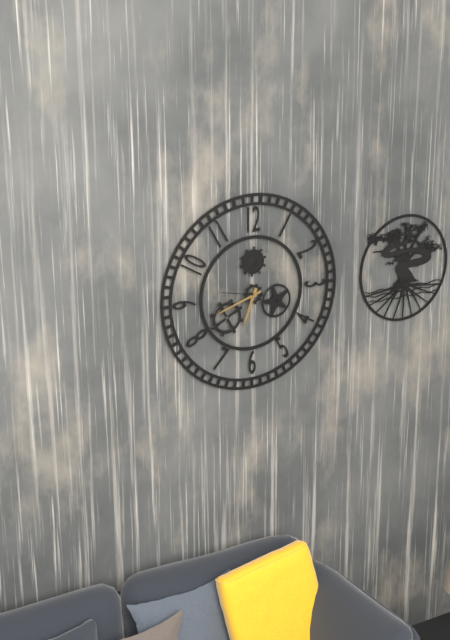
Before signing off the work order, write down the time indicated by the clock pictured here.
6:42
